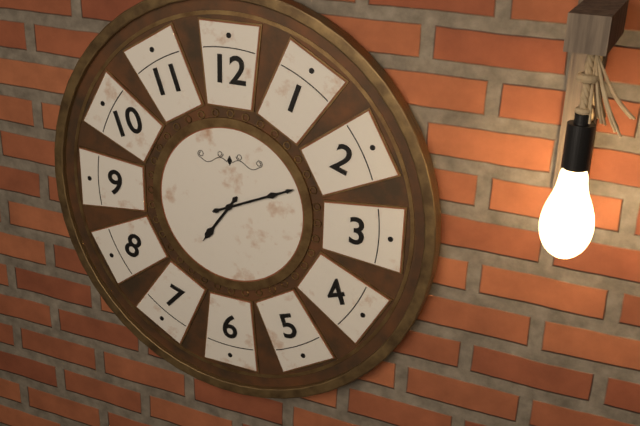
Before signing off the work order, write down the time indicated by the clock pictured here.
7:11
